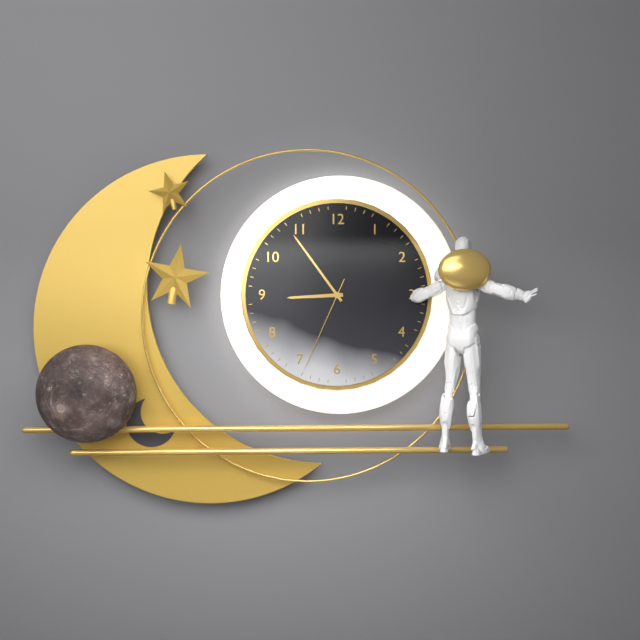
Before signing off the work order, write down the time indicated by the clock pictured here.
8:54:34
